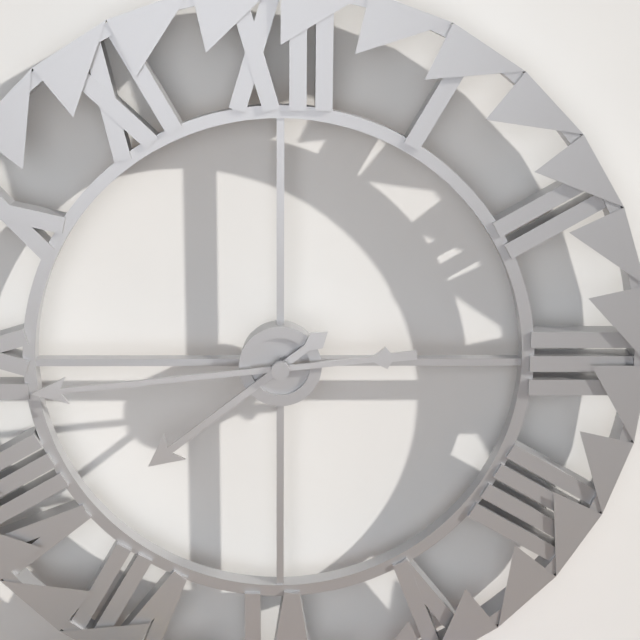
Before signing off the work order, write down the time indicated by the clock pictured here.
7:44
